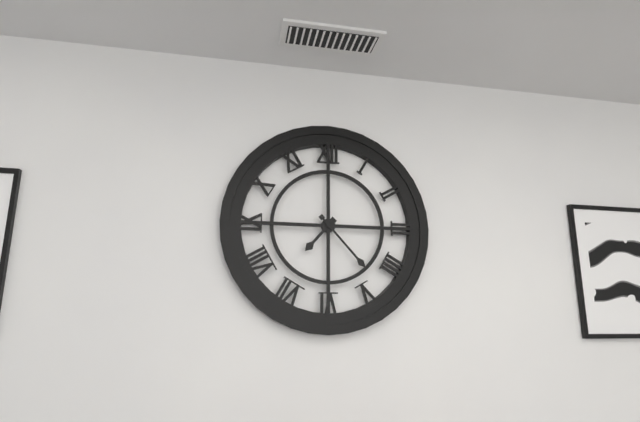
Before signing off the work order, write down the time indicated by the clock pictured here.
7:23
